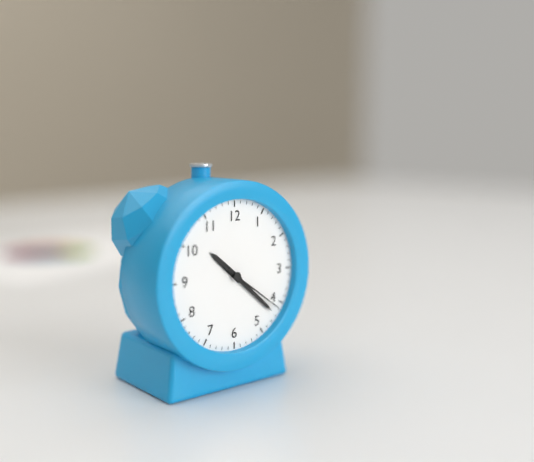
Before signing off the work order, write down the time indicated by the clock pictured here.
10:22:21
